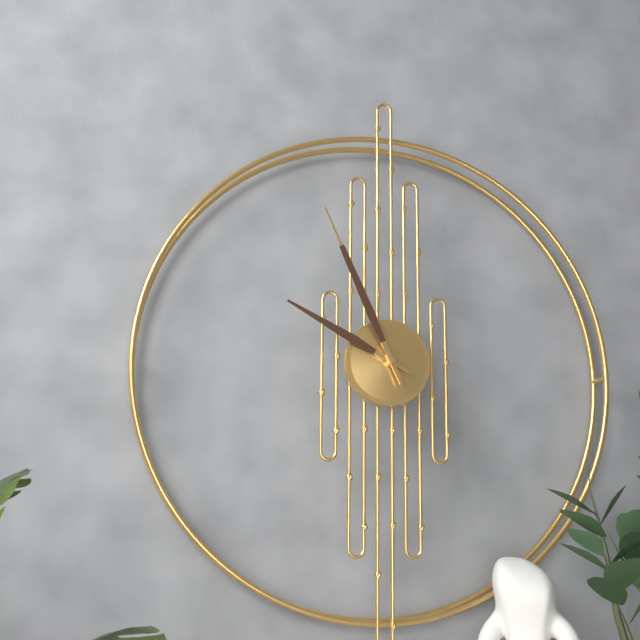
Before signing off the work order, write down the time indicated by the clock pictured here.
9:56
